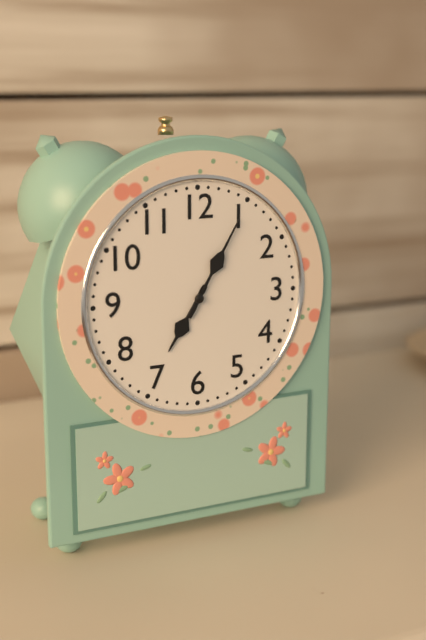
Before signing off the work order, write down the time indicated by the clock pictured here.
7:05
